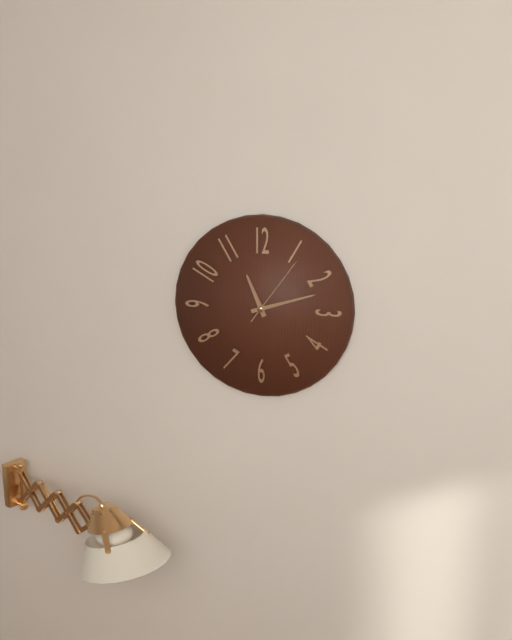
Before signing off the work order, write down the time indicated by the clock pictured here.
11:12:06
